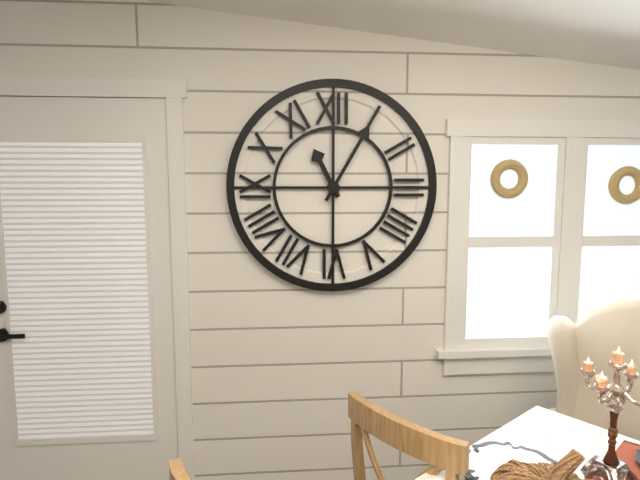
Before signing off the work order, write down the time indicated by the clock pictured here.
11:05
